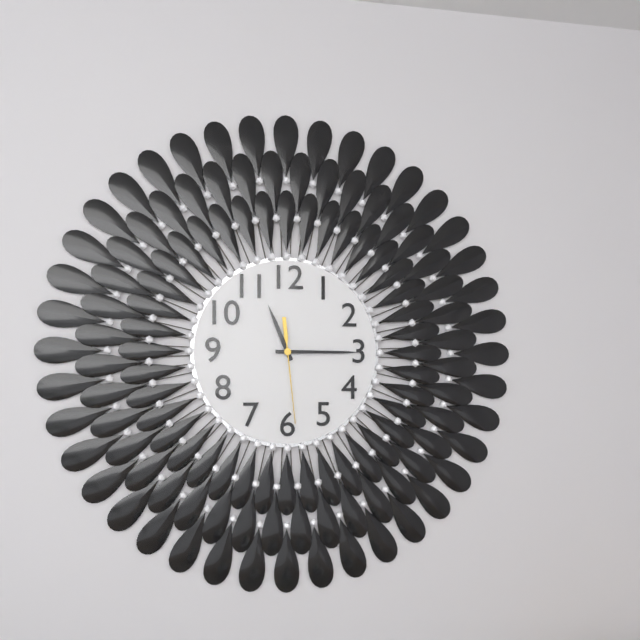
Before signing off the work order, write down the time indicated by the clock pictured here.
11:15:29
